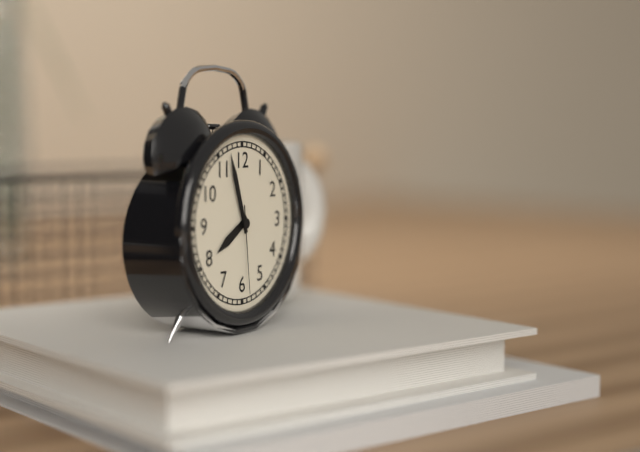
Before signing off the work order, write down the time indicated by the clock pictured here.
7:57:29
